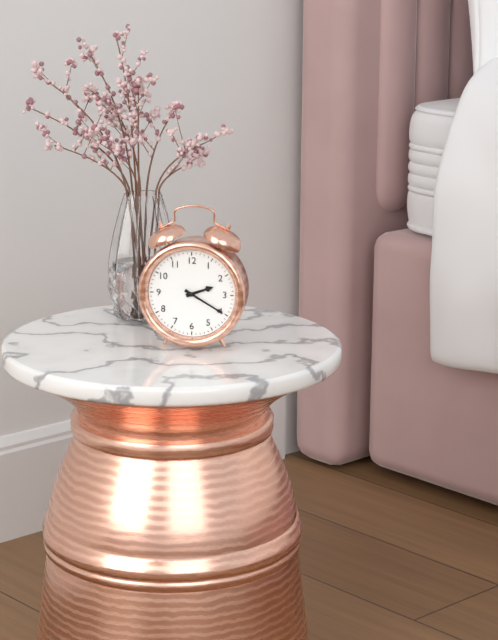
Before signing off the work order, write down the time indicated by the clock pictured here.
2:20
